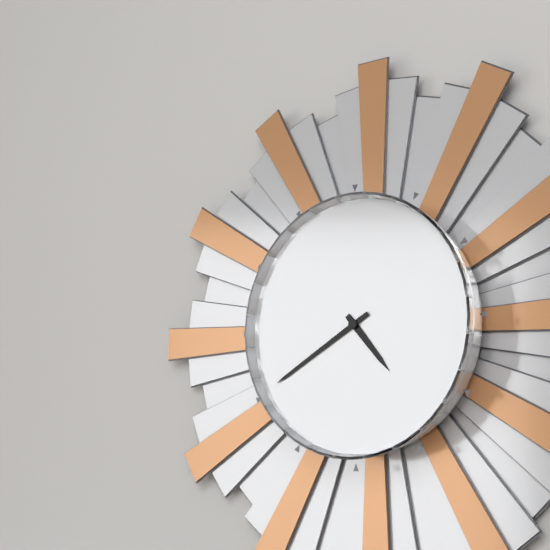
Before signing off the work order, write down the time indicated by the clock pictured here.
4:40
